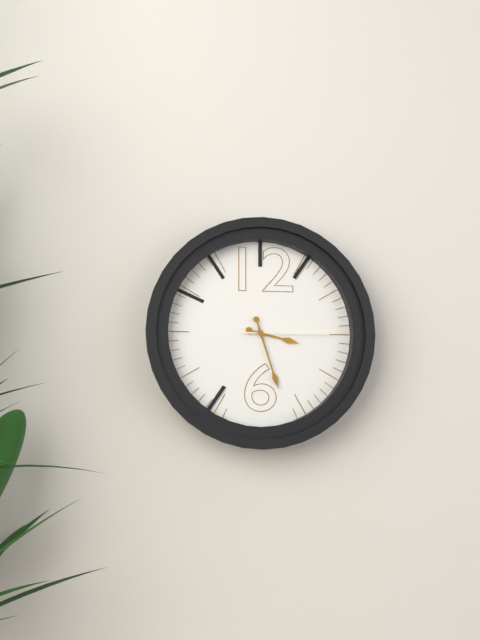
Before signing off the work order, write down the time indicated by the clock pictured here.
3:27:15
